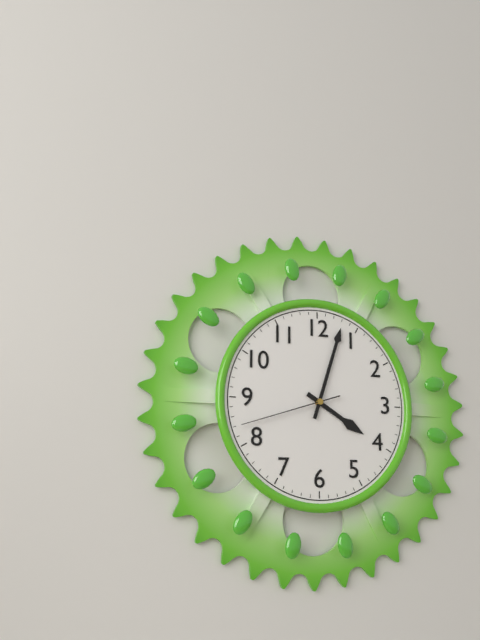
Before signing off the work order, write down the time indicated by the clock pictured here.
4:03:42
